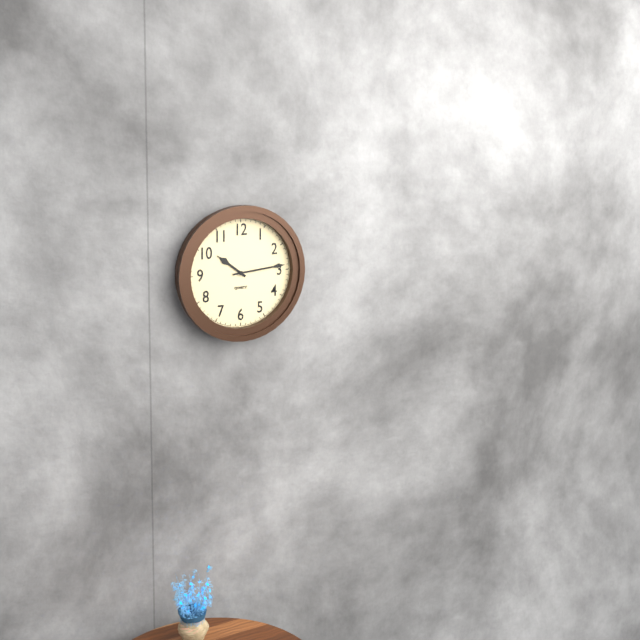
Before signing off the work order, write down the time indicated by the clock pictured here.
10:14
